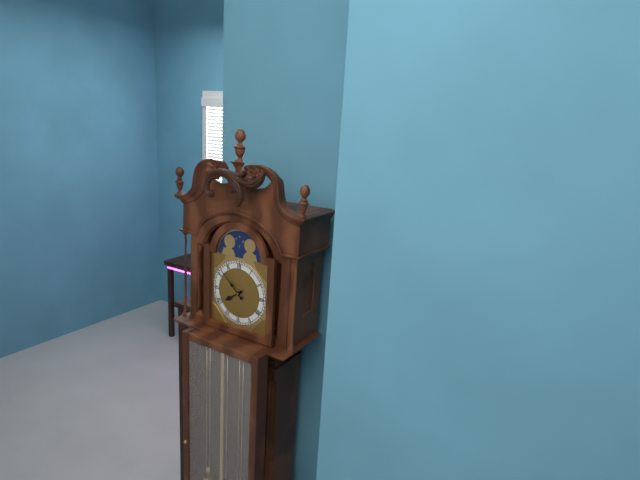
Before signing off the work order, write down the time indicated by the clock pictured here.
7:52
